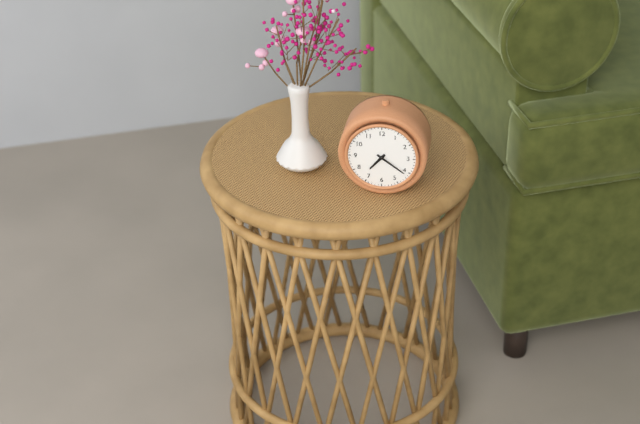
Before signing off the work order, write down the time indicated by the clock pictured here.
7:21
